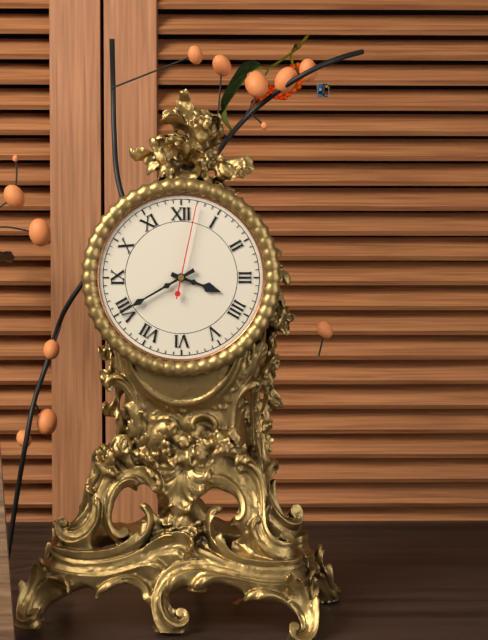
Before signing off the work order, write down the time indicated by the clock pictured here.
3:40:02
